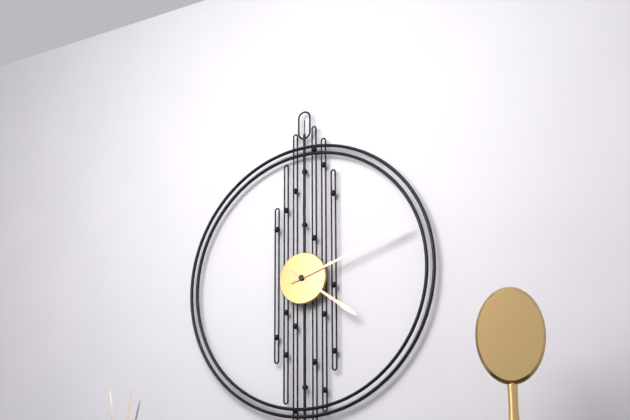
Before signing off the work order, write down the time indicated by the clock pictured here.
4:12
